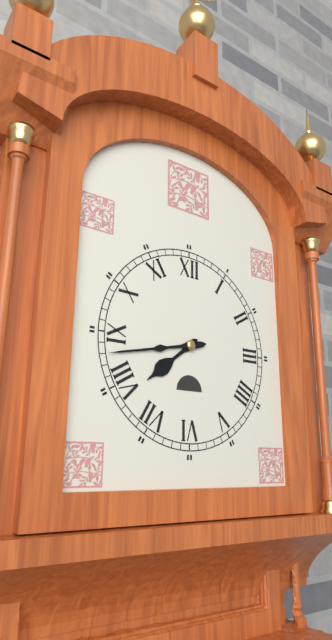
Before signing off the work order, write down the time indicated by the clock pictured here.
7:43
